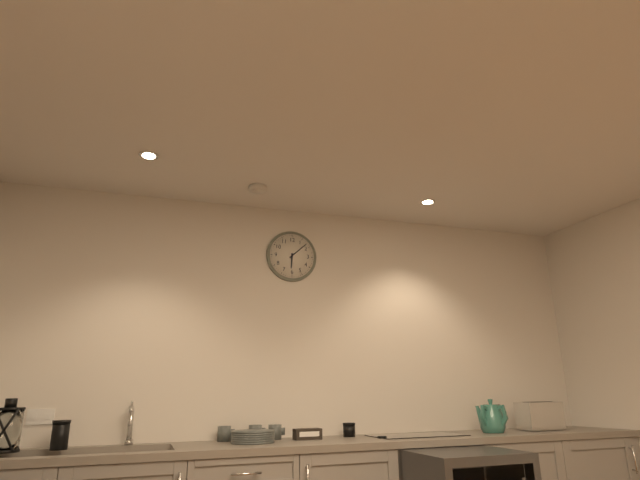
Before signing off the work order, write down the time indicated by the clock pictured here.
6:08
